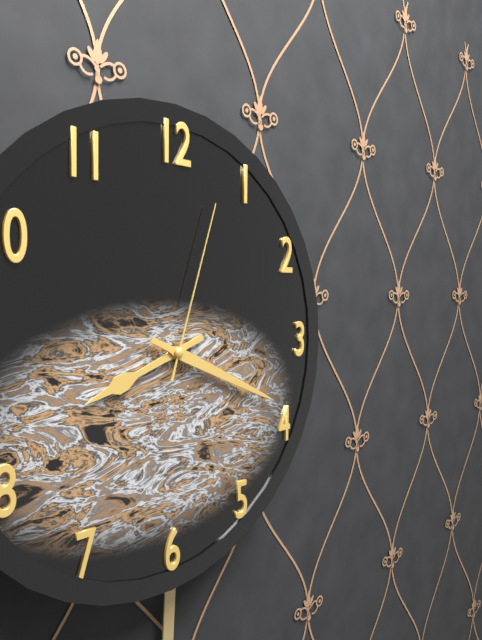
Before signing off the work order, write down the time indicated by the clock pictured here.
8:19:03
